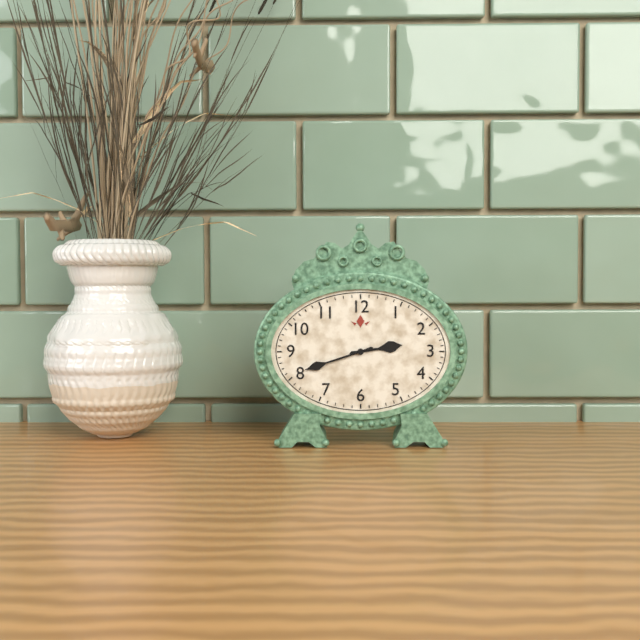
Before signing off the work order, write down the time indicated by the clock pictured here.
2:42
